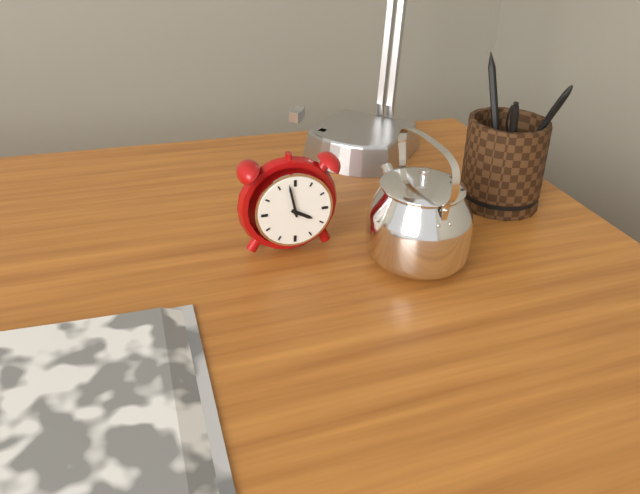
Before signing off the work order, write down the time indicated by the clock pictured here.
3:58
